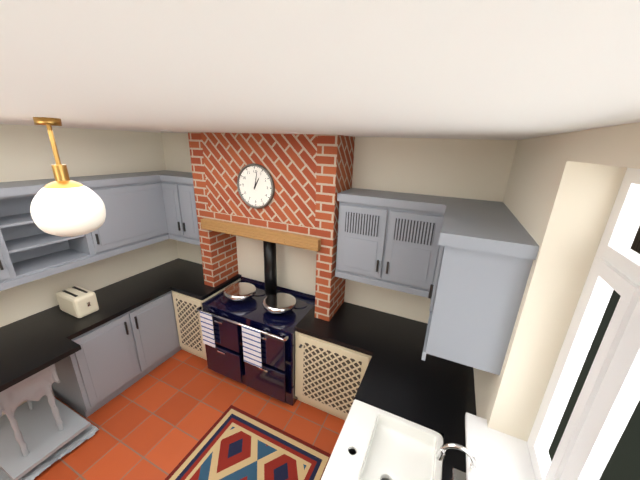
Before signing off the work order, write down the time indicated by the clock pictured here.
1:02
